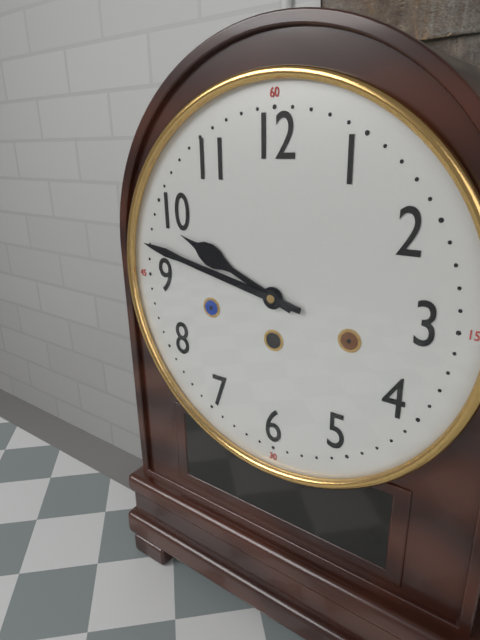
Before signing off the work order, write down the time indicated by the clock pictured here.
9:47
